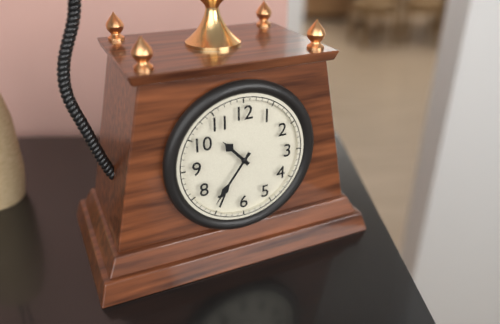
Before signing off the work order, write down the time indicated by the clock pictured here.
10:36
